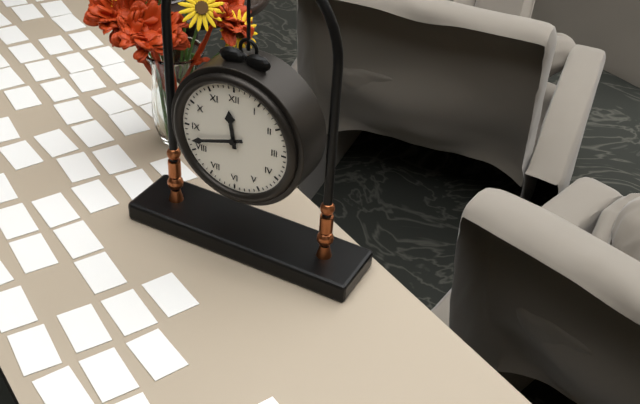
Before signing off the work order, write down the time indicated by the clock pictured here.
11:42
